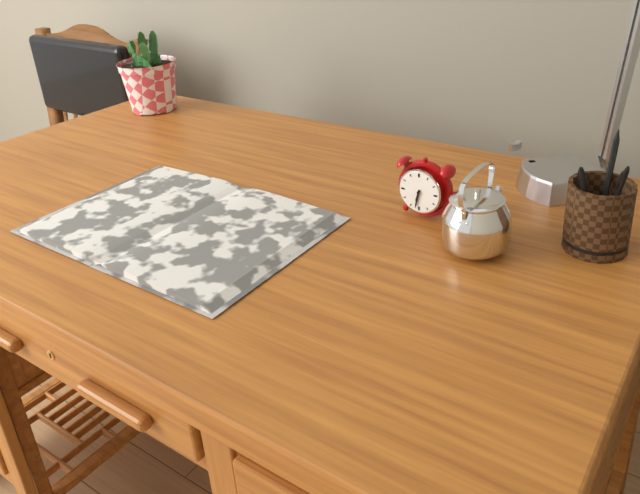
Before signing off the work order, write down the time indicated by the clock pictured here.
6:32
